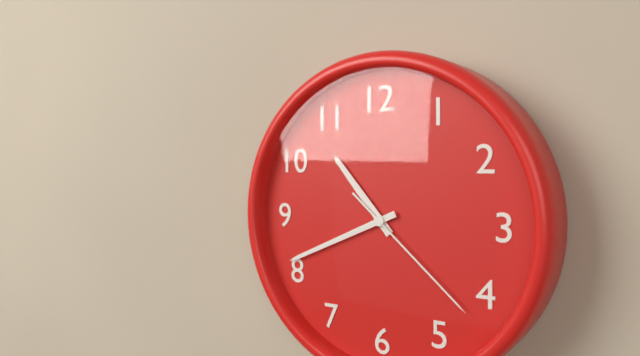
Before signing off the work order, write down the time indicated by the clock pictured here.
10:41:22
